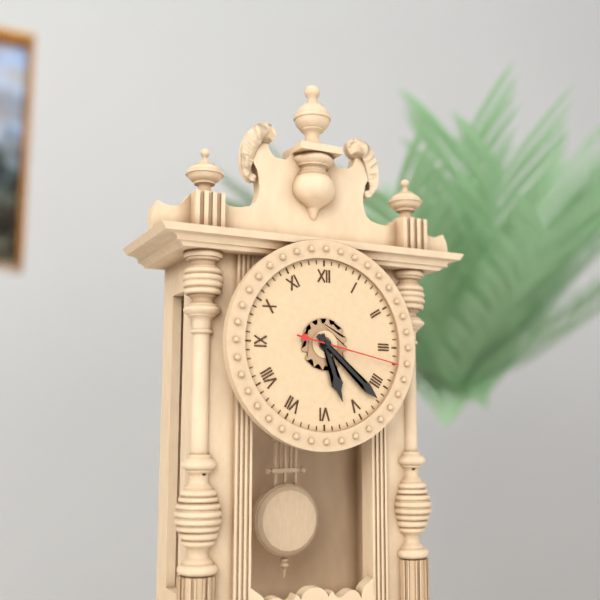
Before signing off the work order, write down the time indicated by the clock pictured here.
5:22:17
